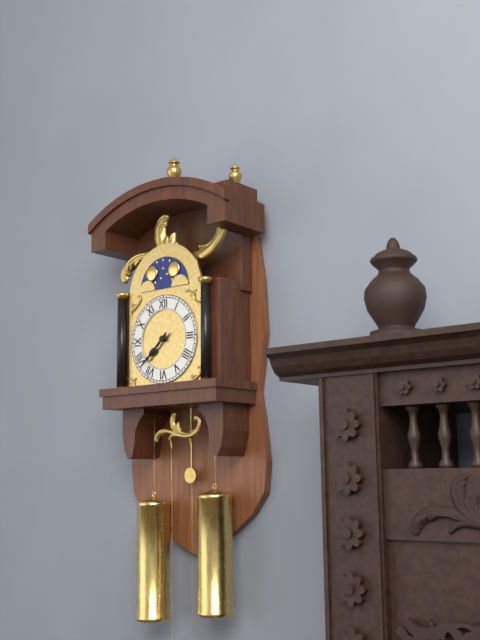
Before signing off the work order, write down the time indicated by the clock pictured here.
7:38
